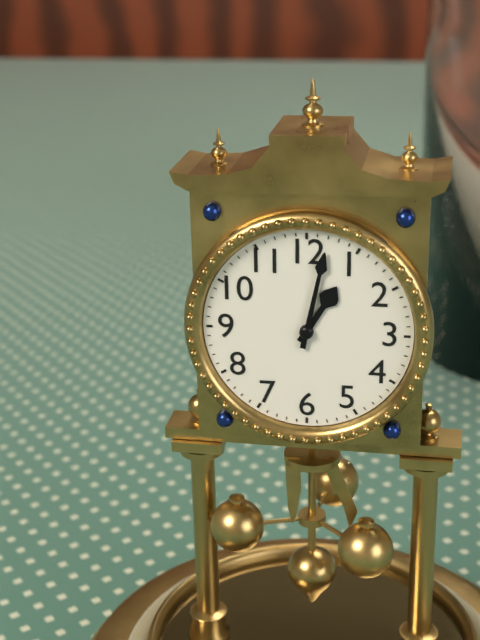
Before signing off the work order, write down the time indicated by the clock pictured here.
1:02
